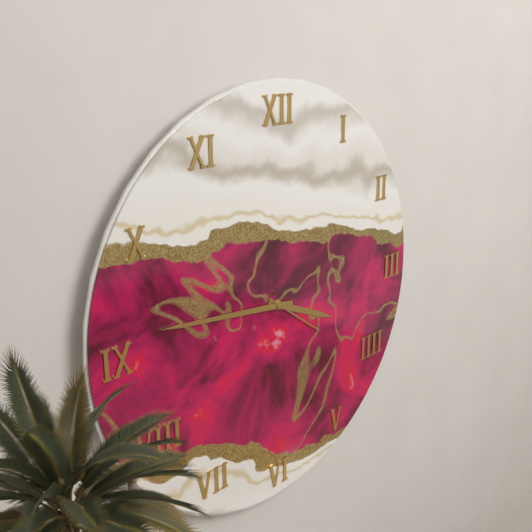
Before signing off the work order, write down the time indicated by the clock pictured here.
3:46:21
